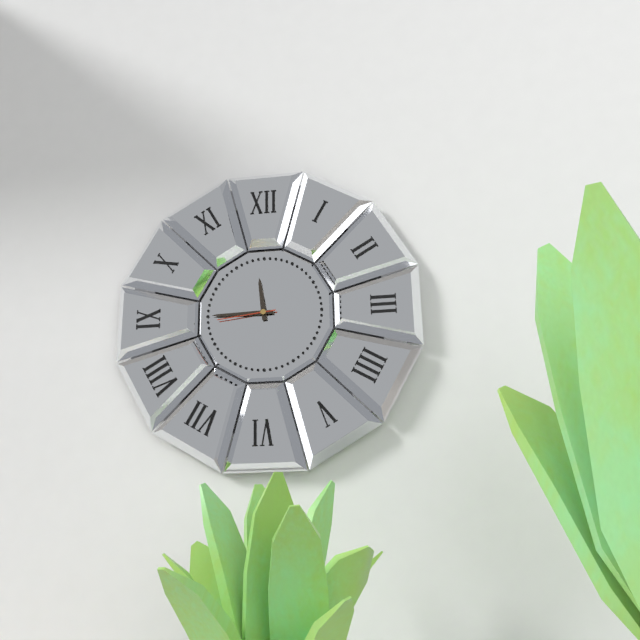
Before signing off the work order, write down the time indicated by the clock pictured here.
11:45:44
